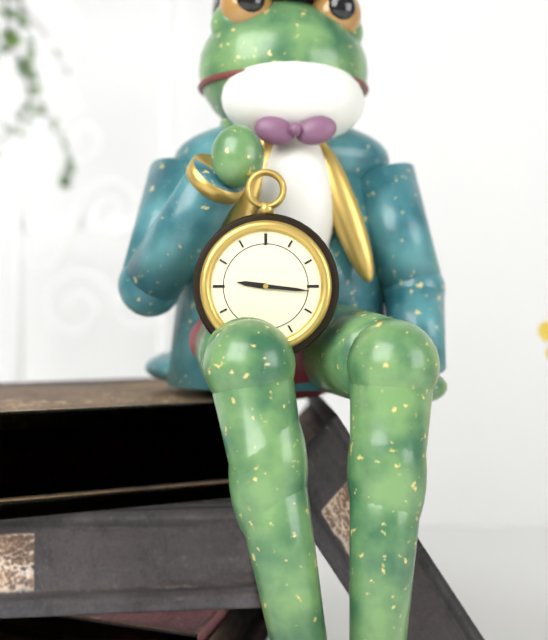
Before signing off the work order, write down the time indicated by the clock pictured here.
9:16
